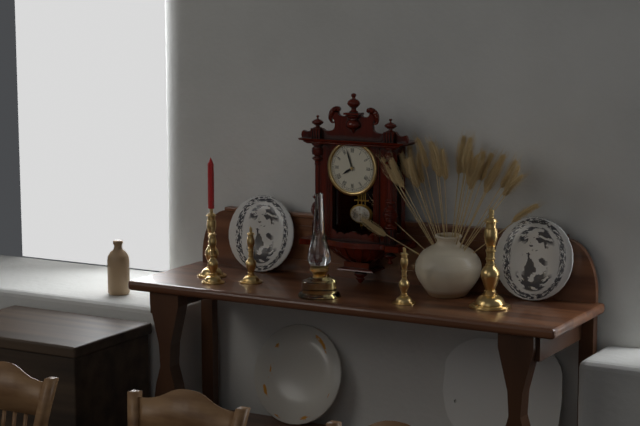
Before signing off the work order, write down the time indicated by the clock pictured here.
7:57
